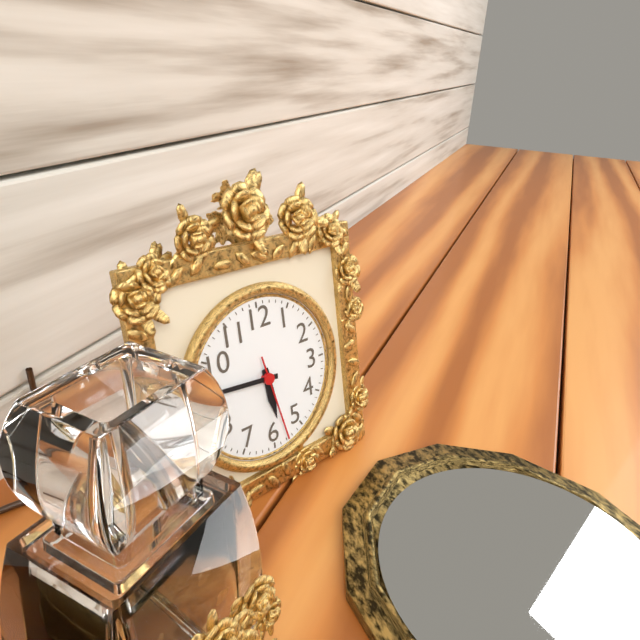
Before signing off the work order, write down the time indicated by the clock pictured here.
5:46:28
